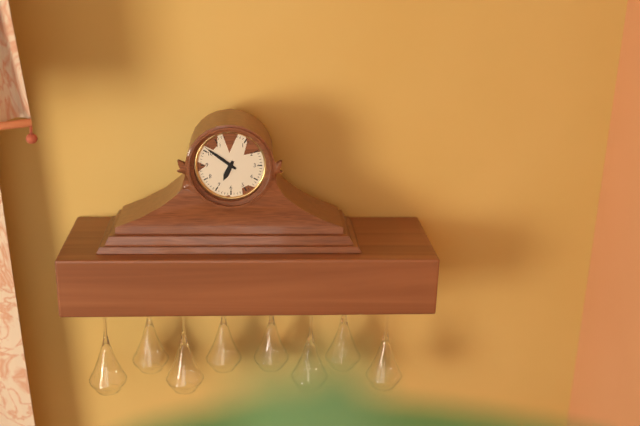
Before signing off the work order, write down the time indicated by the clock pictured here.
6:51
